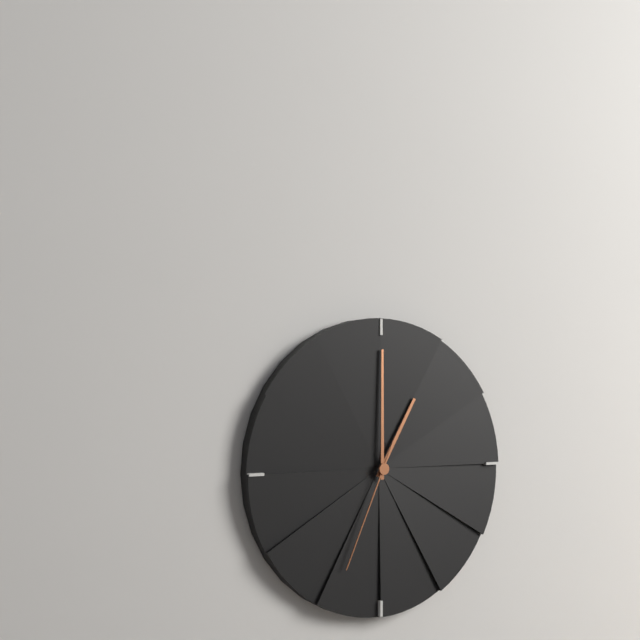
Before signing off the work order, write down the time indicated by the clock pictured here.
1:00:34
